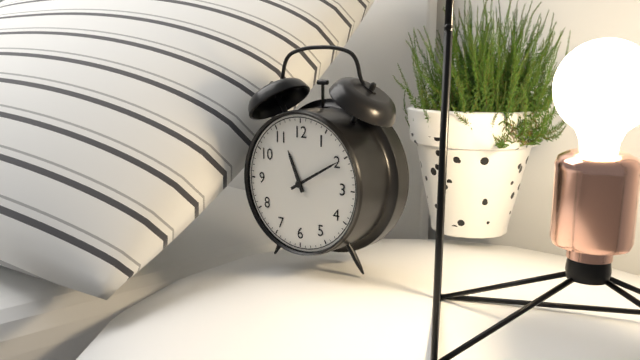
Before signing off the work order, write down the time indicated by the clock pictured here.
11:10
